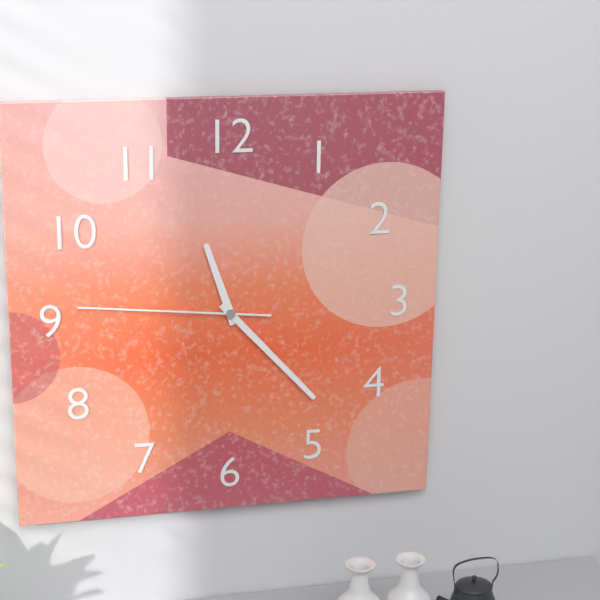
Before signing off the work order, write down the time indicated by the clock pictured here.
11:23:46
